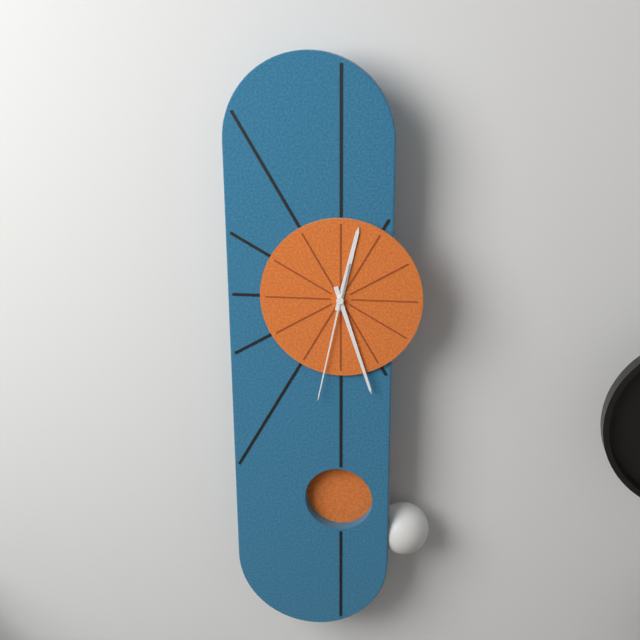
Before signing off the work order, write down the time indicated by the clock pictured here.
12:27:32
